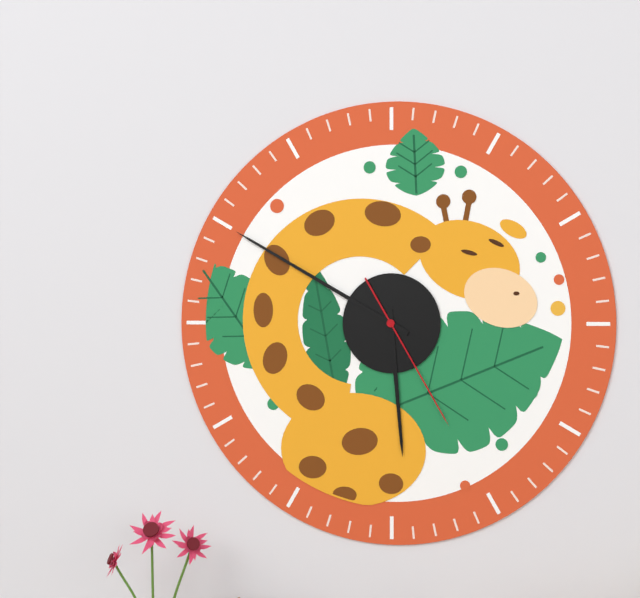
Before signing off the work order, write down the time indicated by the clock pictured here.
5:50:25
